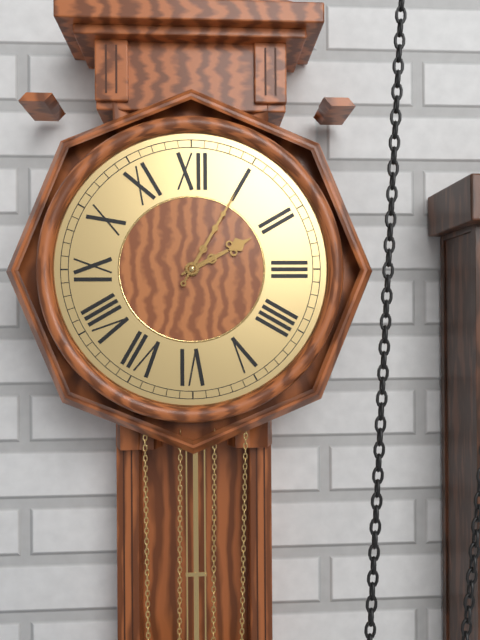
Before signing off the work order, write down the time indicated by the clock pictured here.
2:05
